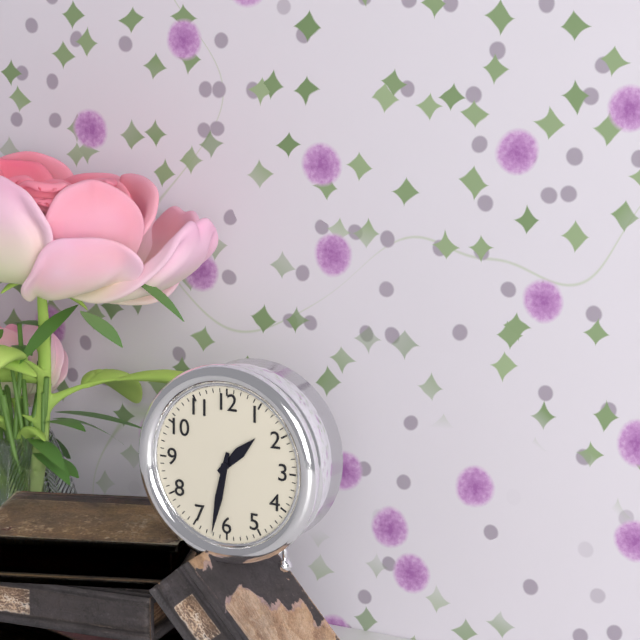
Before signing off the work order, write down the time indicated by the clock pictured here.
1:32
